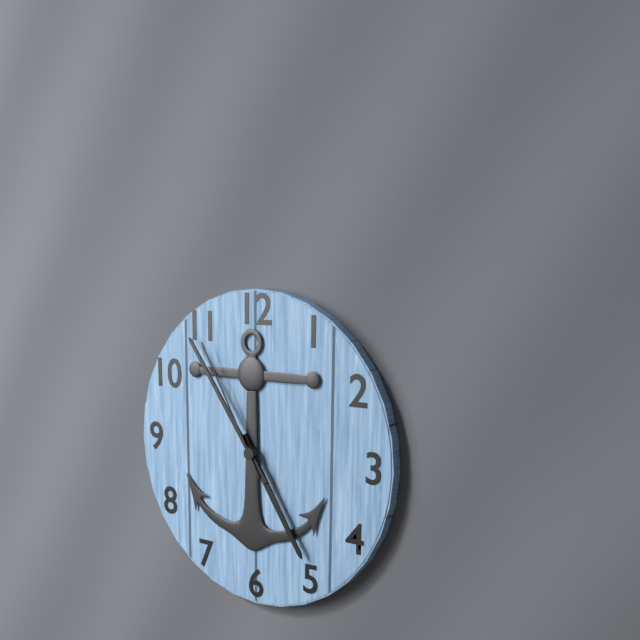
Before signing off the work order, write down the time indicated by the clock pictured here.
4:54:55
